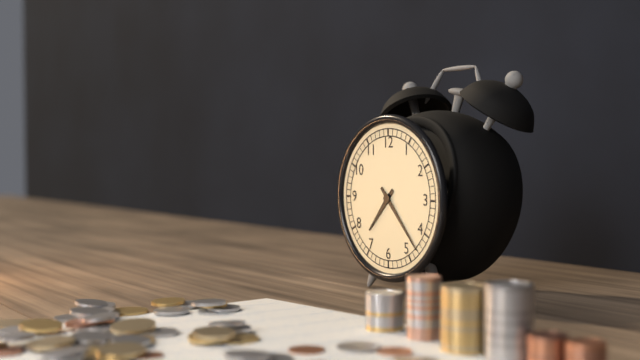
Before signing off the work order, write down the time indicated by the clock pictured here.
7:23
